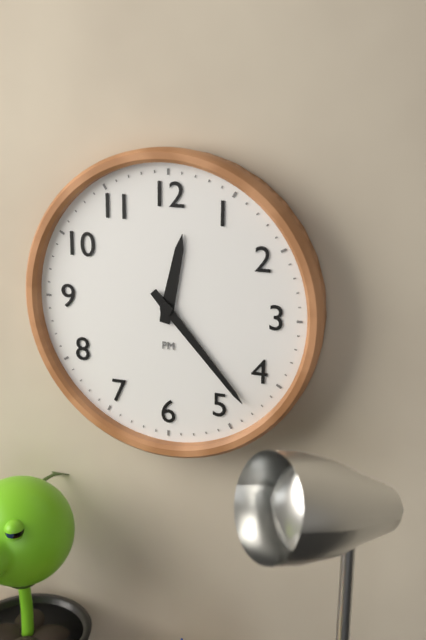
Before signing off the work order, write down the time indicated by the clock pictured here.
12:23
